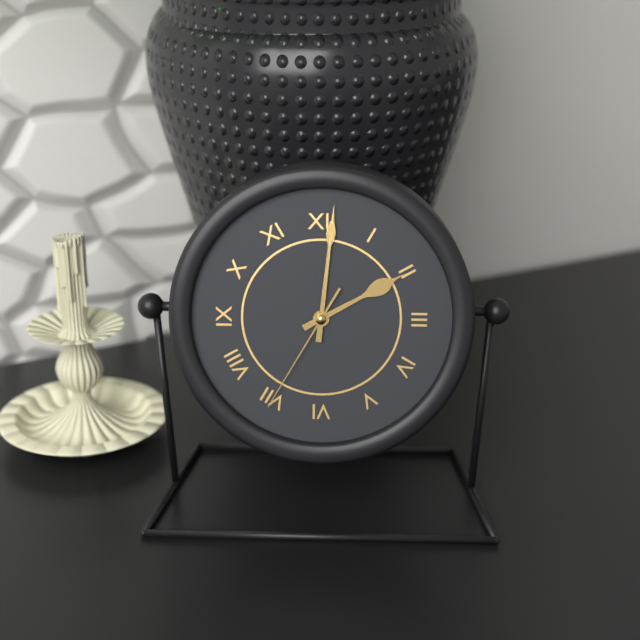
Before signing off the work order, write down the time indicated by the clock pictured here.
2:01:35
